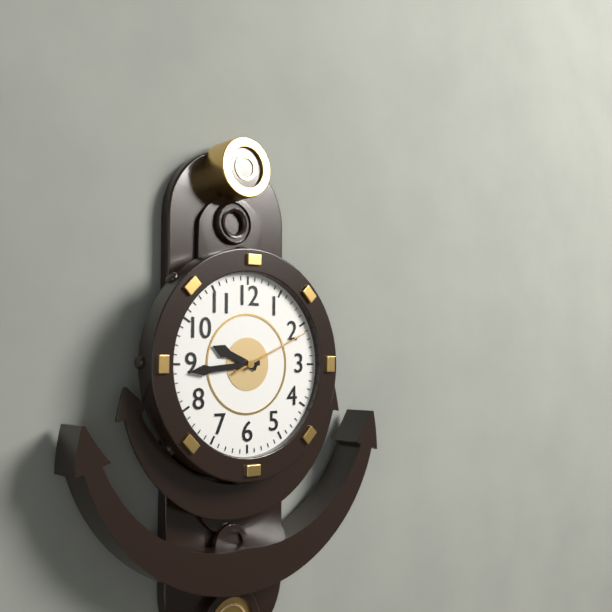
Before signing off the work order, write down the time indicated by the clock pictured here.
9:44:11
